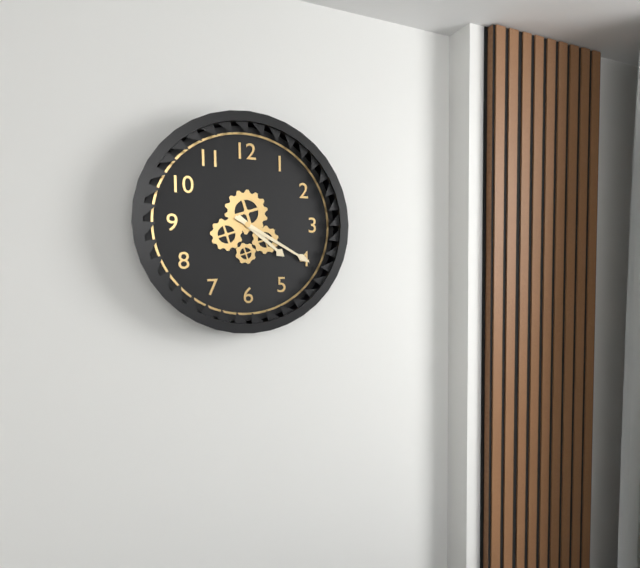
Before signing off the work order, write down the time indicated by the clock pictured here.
4:20
